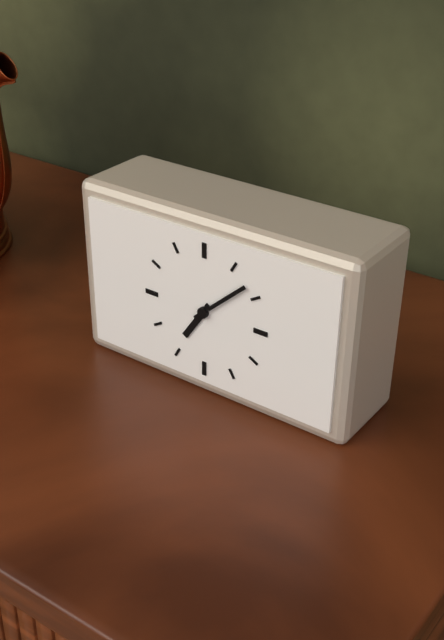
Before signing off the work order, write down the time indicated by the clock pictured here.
7:08
